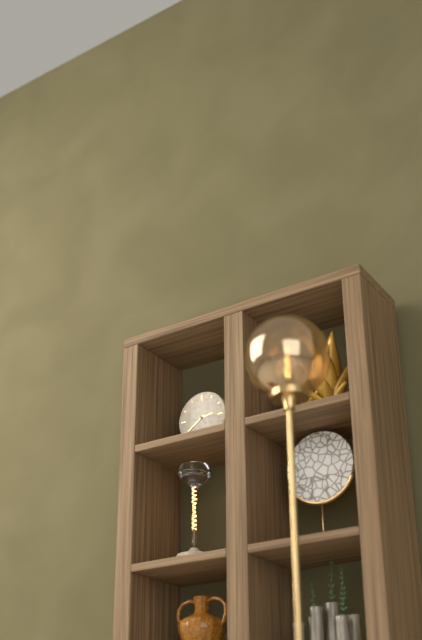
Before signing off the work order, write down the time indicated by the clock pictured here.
2:39
